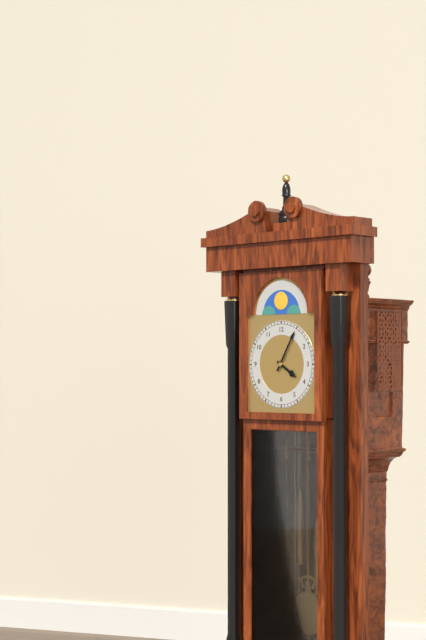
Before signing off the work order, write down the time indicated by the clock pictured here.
4:05
